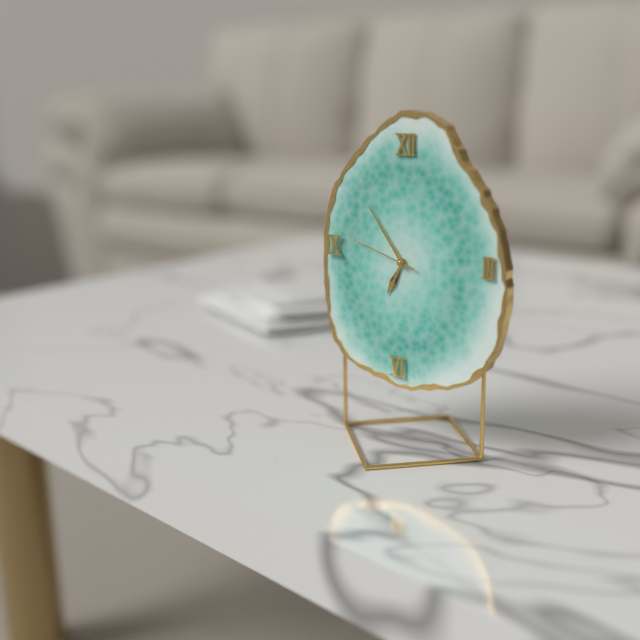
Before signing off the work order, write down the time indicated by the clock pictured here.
6:54:48
